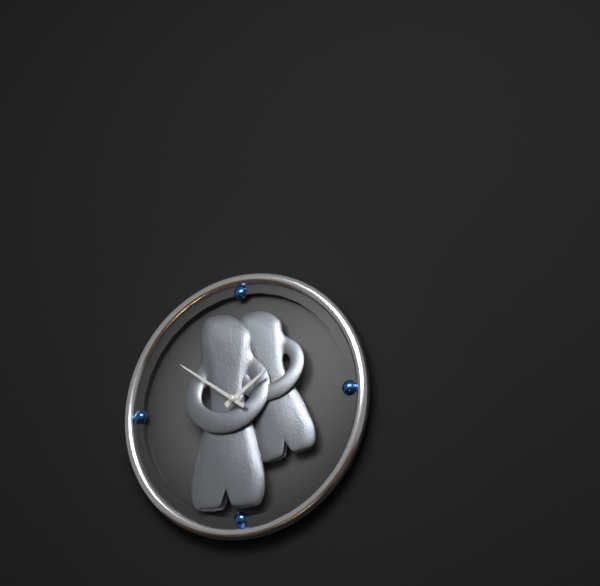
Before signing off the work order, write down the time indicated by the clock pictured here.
1:51
